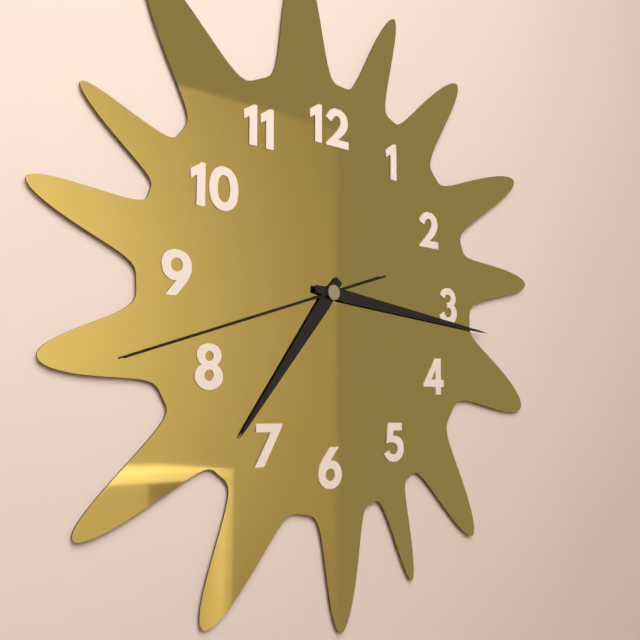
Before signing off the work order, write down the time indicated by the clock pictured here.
7:16:42
